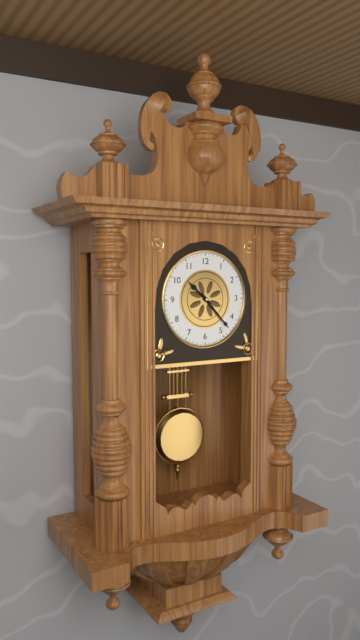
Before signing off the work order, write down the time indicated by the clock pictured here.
10:23
